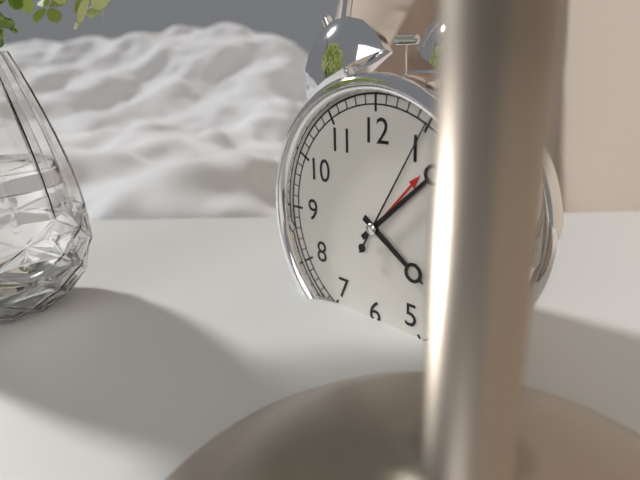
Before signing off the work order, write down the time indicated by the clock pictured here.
4:08:05
